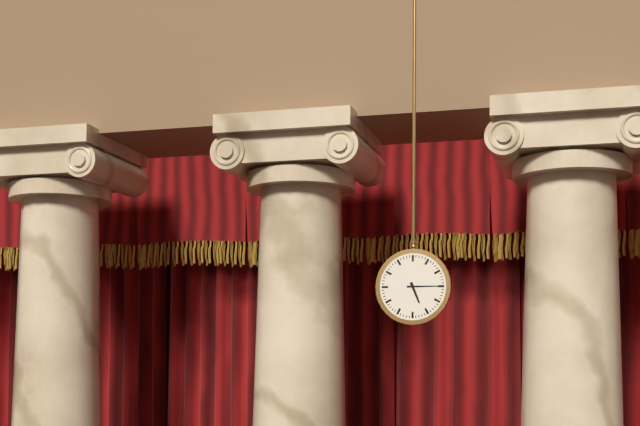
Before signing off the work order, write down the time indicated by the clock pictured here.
5:15
